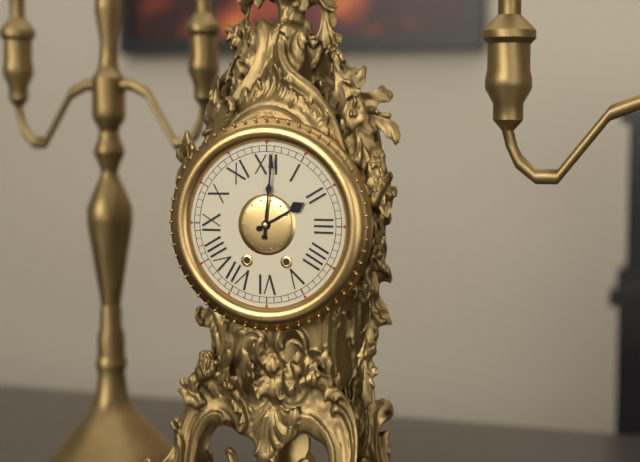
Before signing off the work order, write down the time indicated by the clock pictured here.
2:01
